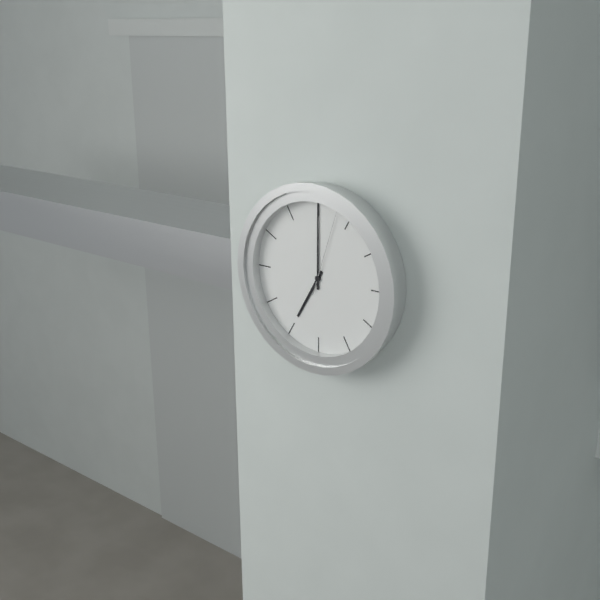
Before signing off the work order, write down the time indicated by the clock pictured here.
7:00:03
